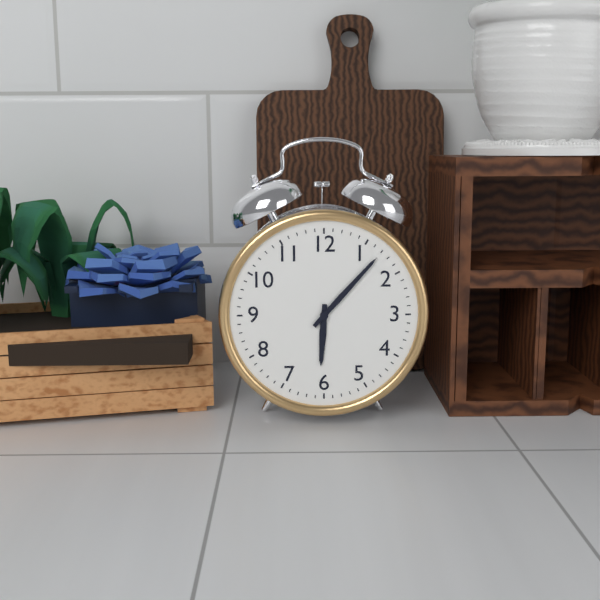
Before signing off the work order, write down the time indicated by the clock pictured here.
6:07
